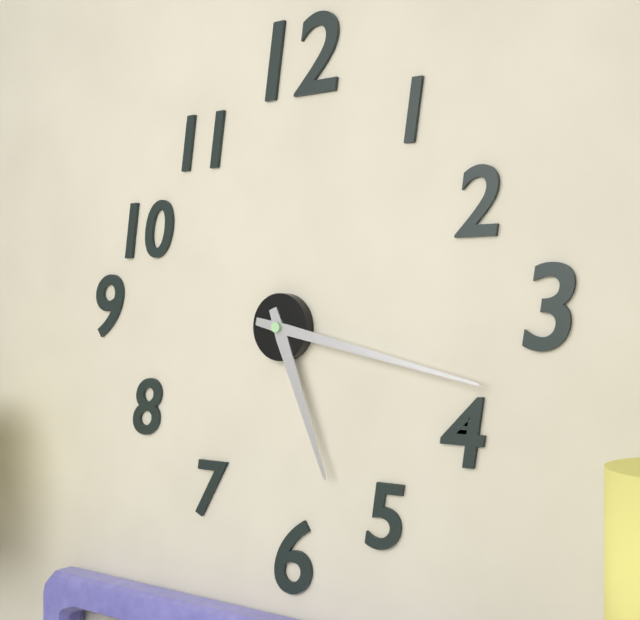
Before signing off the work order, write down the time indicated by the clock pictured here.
5:17
